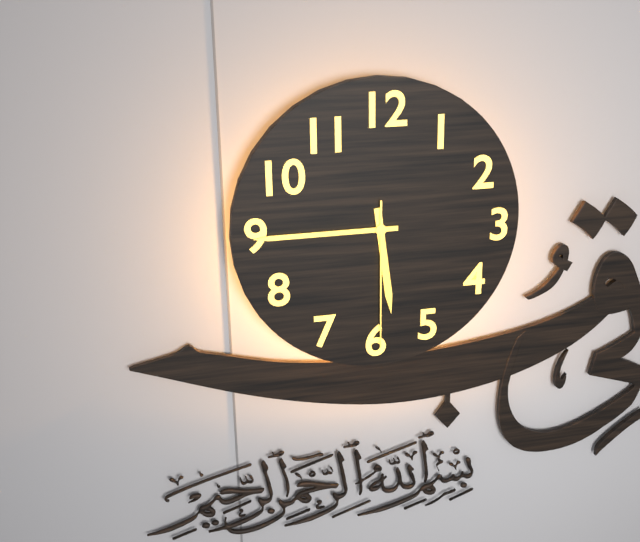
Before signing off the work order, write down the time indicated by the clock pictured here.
5:45:30
